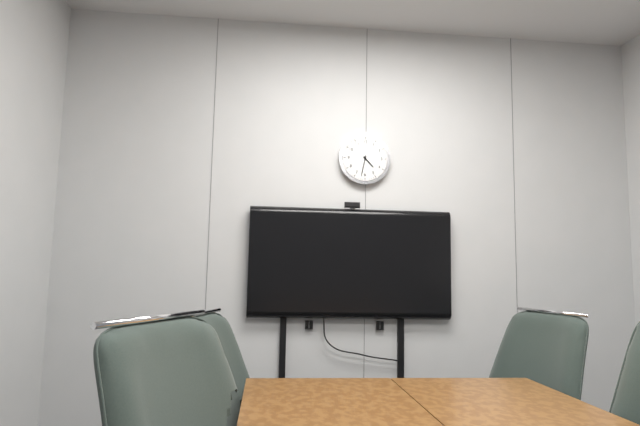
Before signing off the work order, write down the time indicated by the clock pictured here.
4:32
